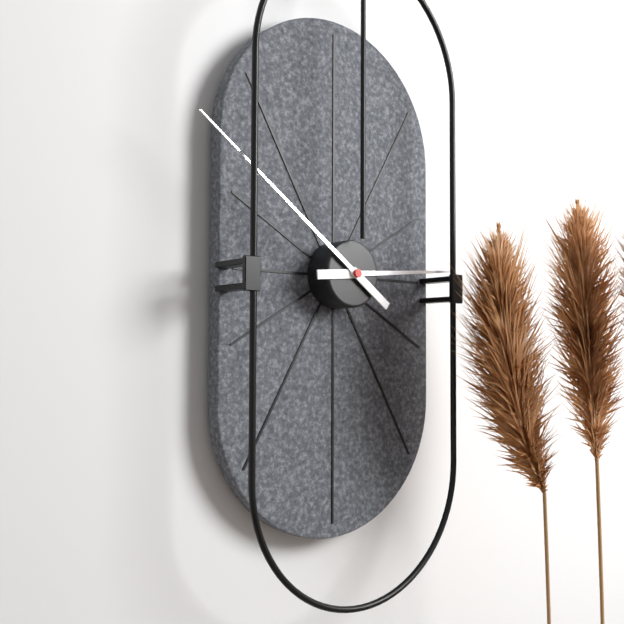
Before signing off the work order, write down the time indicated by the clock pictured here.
2:51
